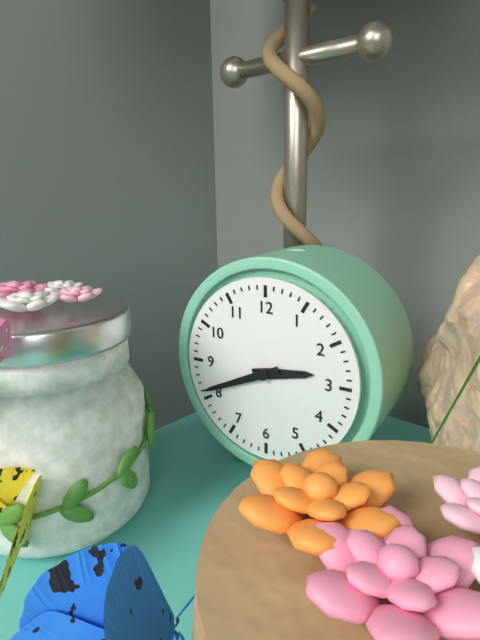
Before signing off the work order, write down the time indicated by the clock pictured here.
2:41
